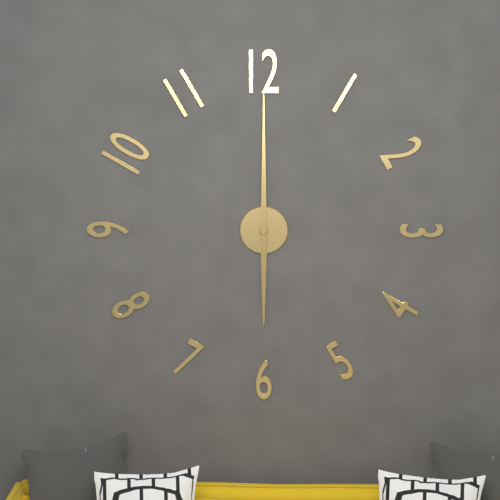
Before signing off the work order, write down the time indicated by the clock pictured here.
6:00
